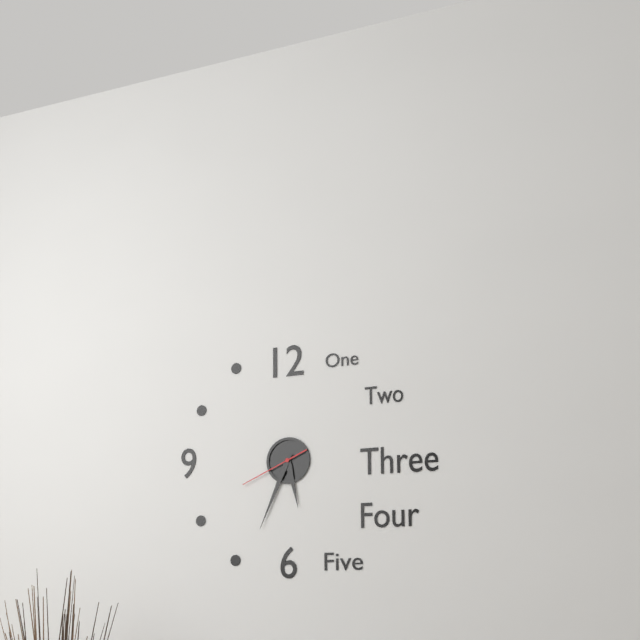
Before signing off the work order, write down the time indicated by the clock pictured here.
5:34:41
